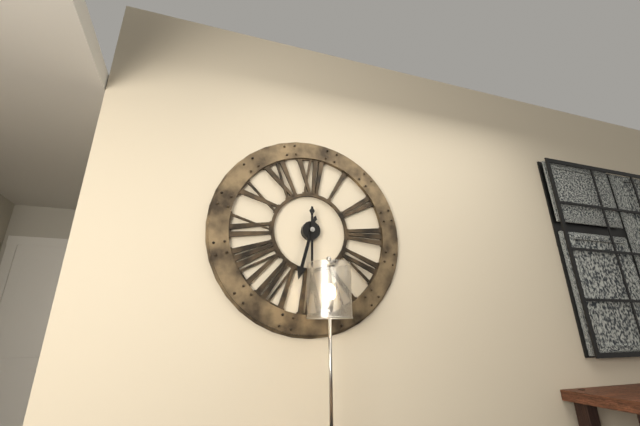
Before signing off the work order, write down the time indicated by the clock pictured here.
6:30
